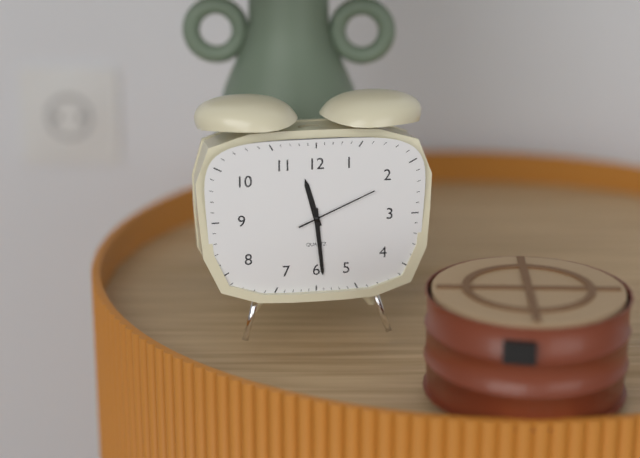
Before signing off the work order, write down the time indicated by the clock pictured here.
11:29:11
